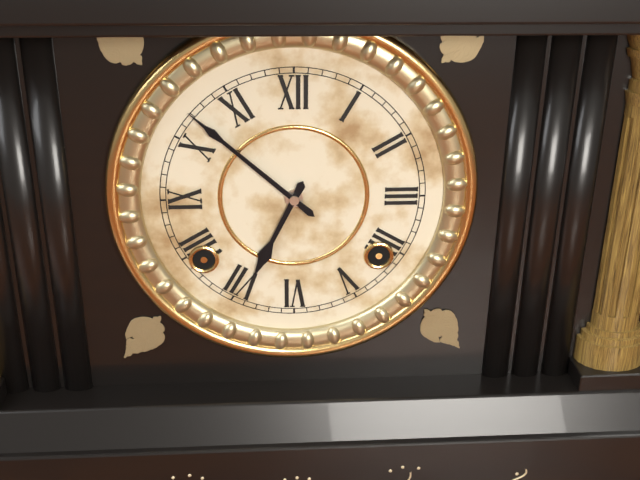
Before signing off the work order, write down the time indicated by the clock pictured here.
6:52
